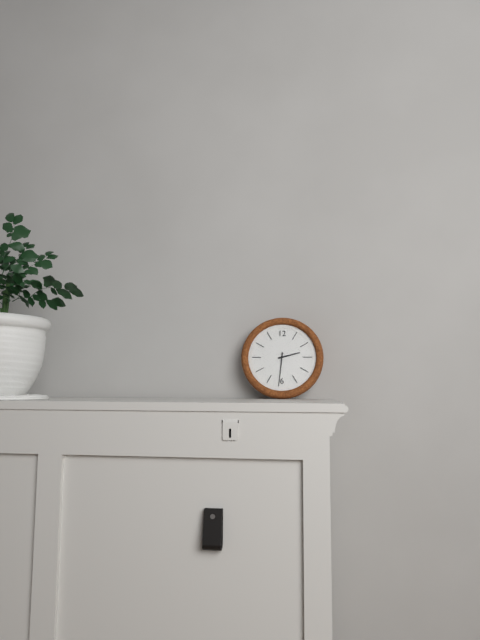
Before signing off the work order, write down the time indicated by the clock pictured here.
2:31
